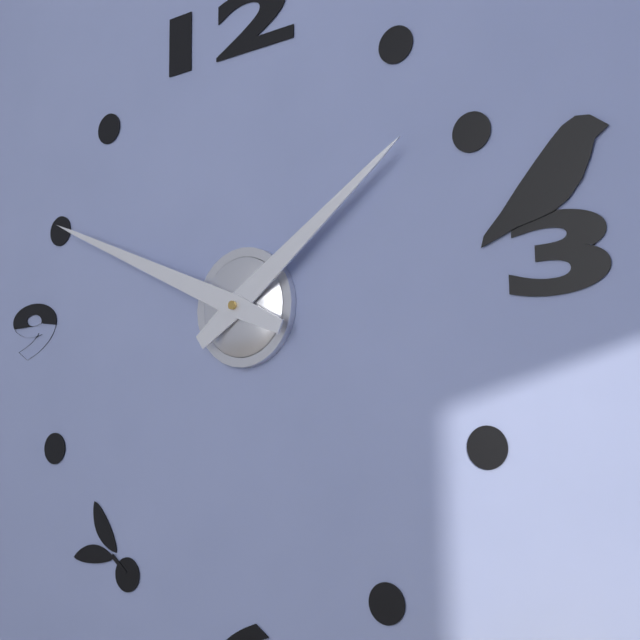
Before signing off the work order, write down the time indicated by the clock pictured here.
1:49
